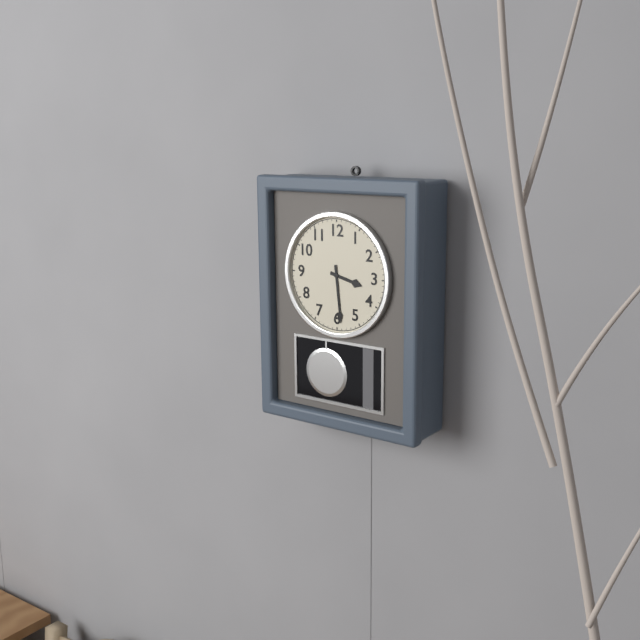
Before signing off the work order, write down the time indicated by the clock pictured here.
3:29
